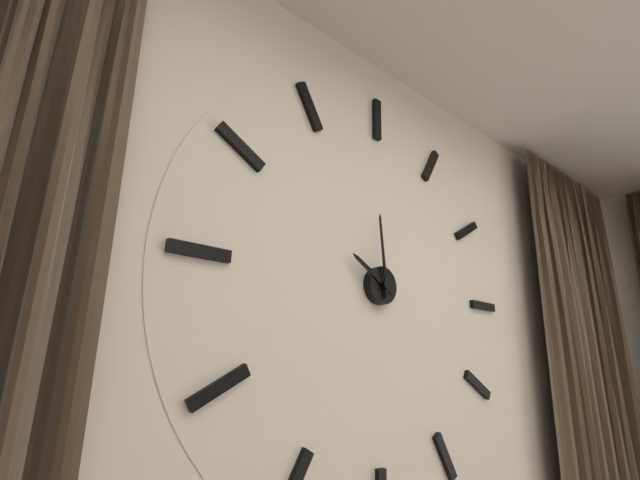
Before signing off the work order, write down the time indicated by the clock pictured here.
9:59
